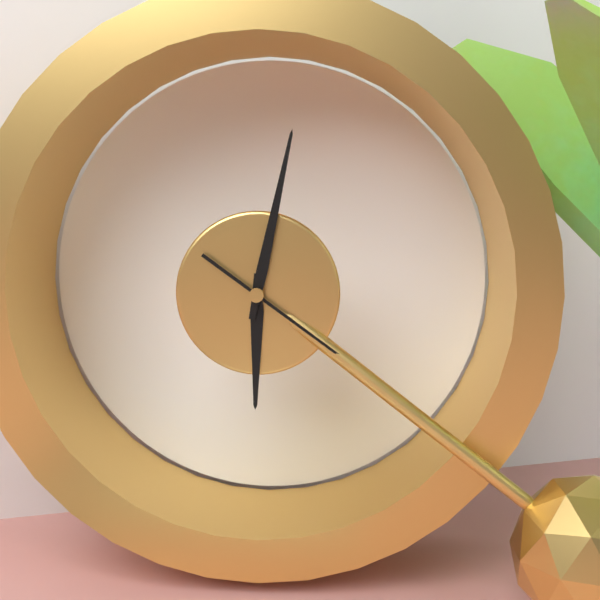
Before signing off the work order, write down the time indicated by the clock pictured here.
6:02
